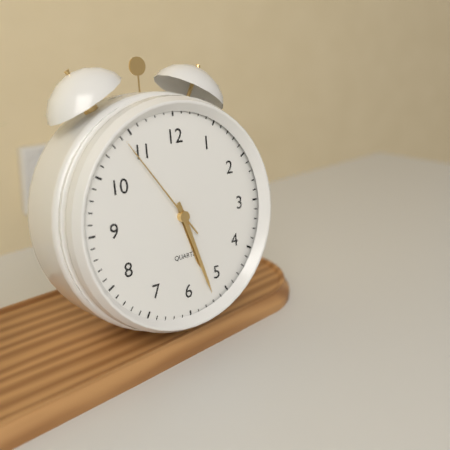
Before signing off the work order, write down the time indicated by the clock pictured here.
5:27:54
